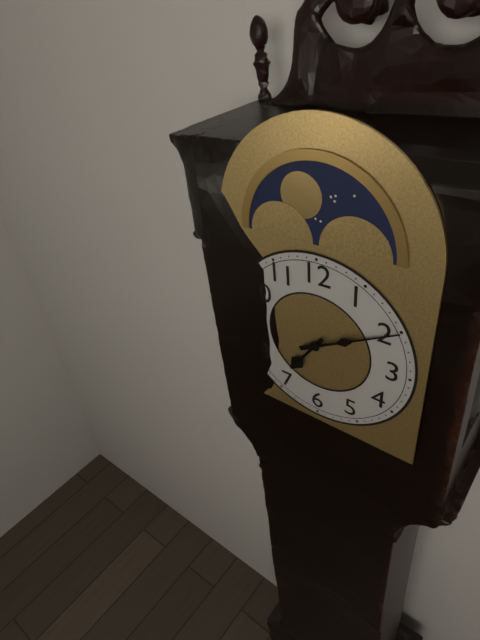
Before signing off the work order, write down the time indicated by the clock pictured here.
7:10
